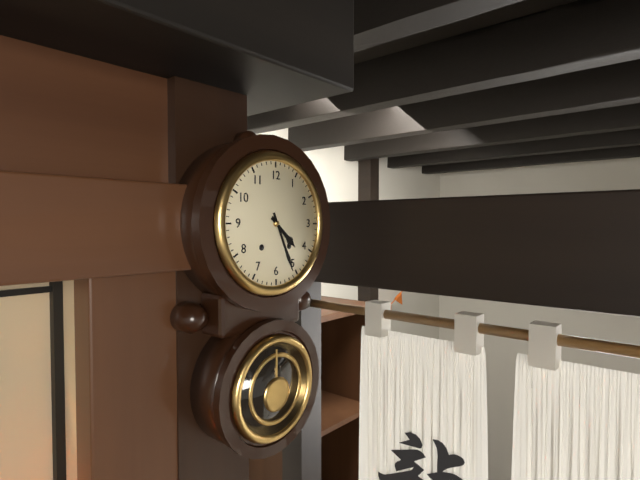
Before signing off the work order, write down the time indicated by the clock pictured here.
4:26
